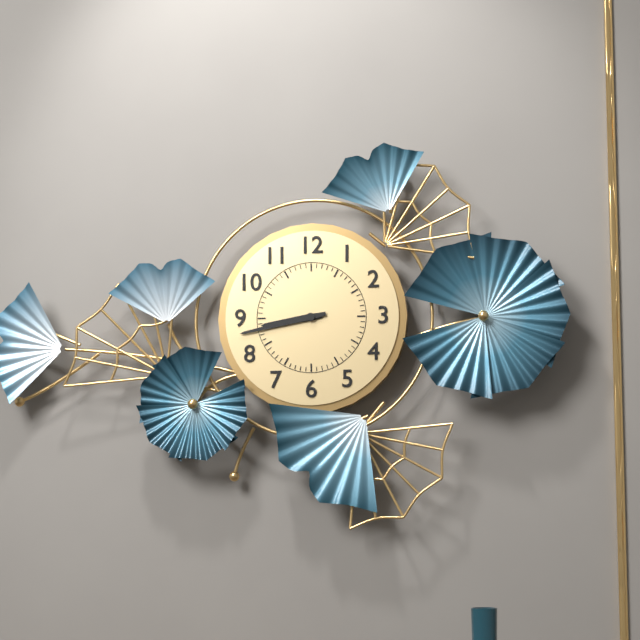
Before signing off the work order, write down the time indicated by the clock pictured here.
8:43
